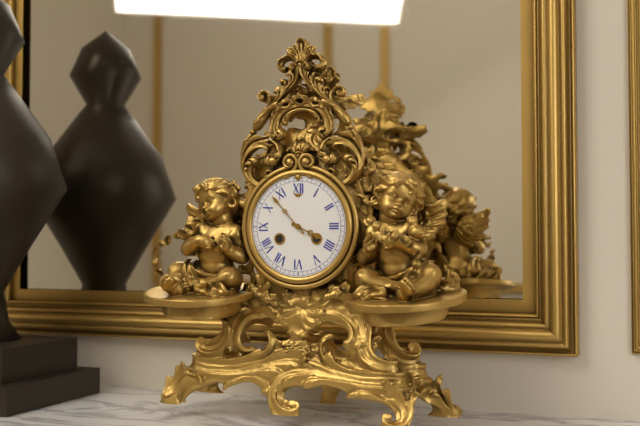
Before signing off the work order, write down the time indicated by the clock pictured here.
3:53
